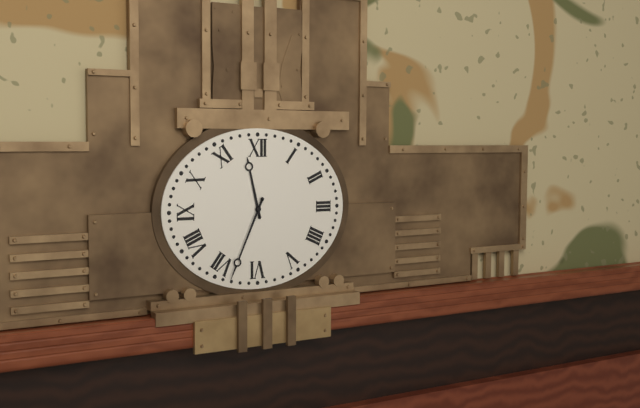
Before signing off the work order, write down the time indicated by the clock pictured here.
11:34
